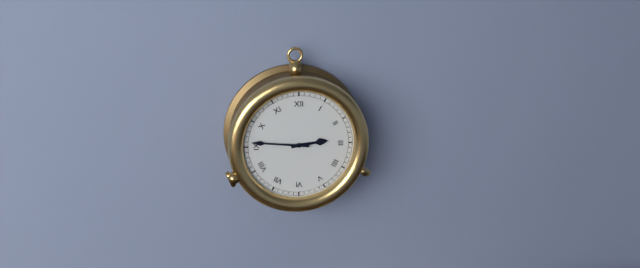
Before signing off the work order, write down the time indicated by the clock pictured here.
2:46
